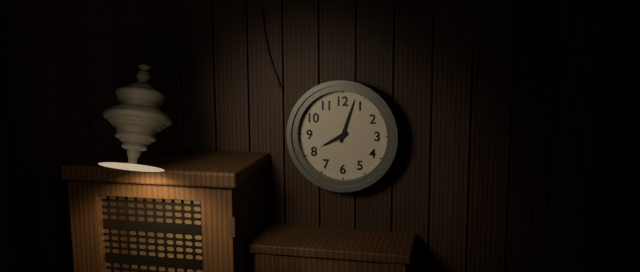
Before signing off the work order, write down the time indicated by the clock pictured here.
8:03
